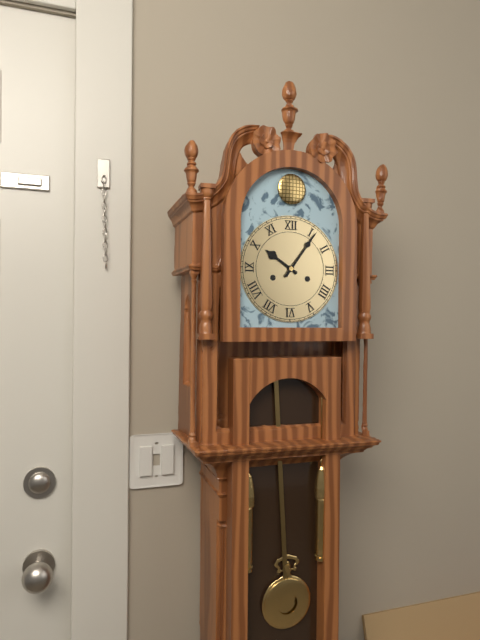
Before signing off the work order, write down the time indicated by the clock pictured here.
10:06
